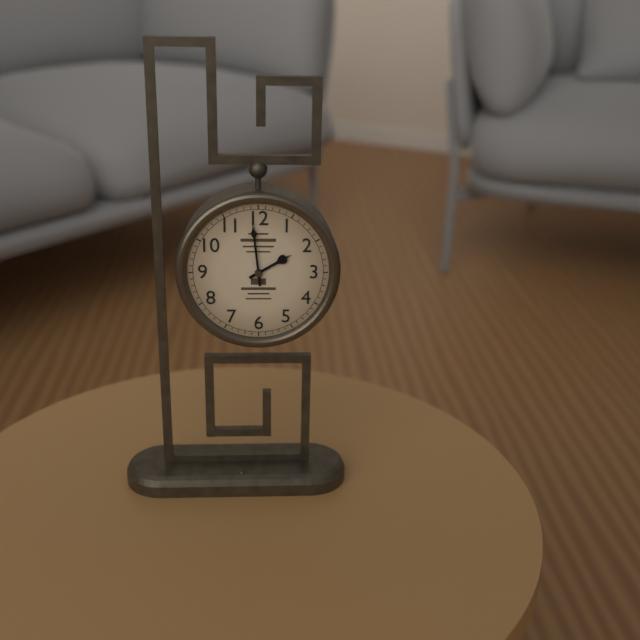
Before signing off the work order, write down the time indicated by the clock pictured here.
1:59
